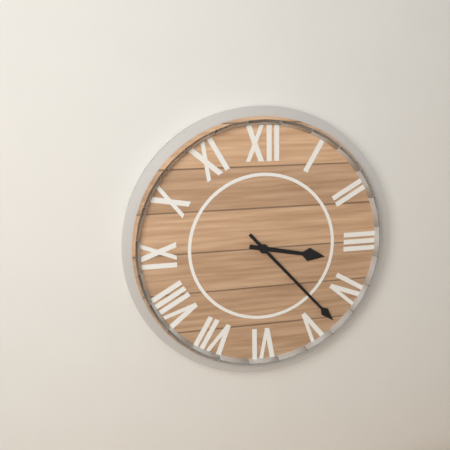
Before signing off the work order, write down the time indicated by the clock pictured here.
3:23
